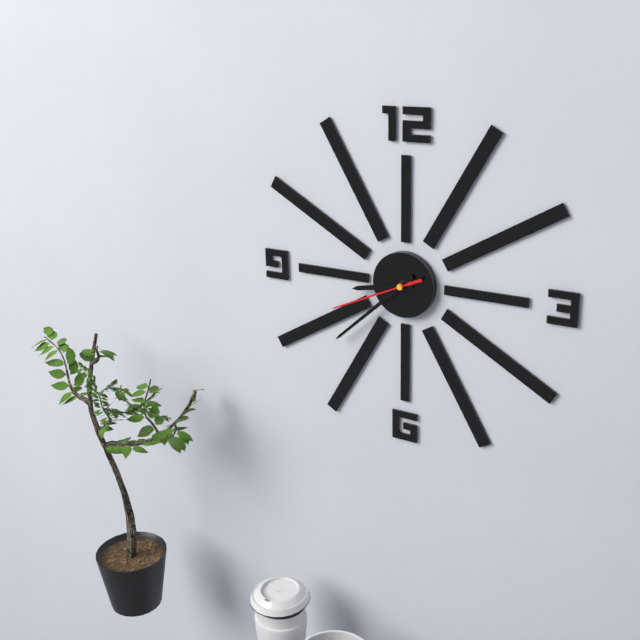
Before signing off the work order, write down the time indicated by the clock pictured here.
8:38:41
